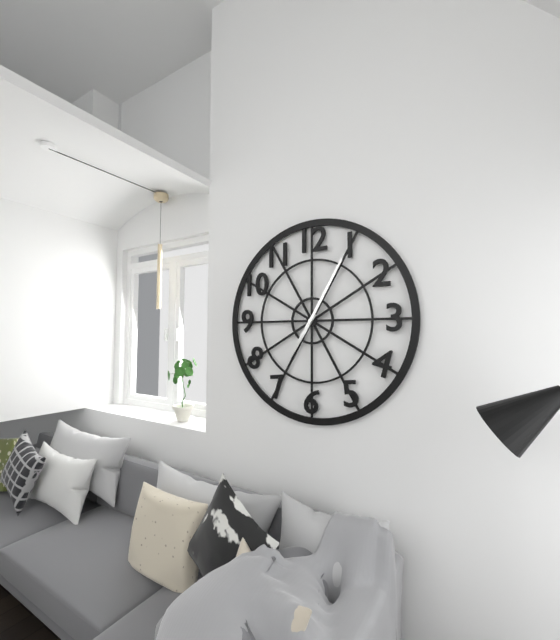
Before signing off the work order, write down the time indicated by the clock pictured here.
7:05
